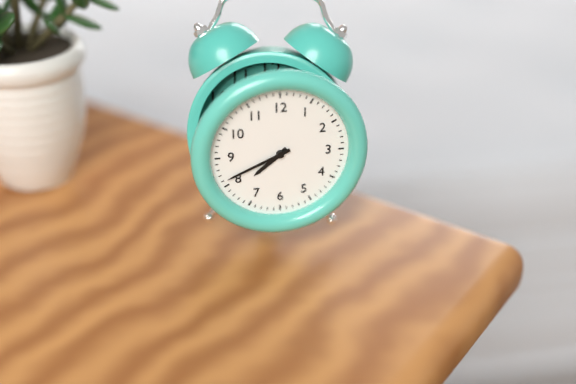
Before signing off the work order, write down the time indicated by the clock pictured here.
7:41
